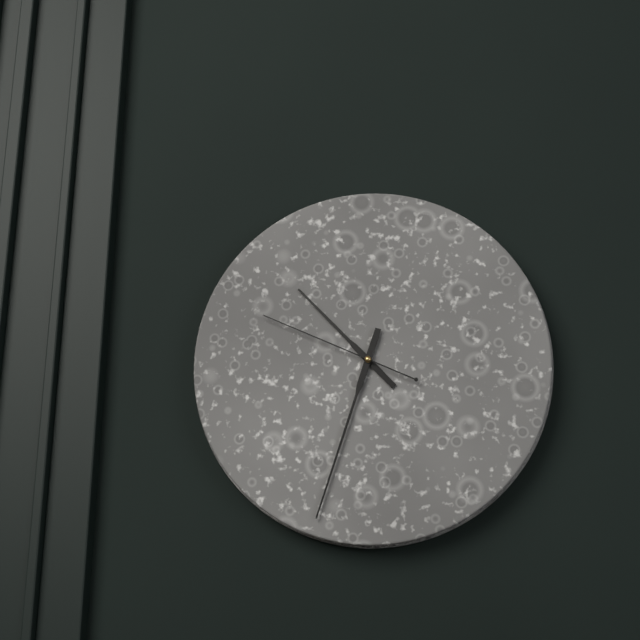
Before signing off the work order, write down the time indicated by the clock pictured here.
10:33:49
